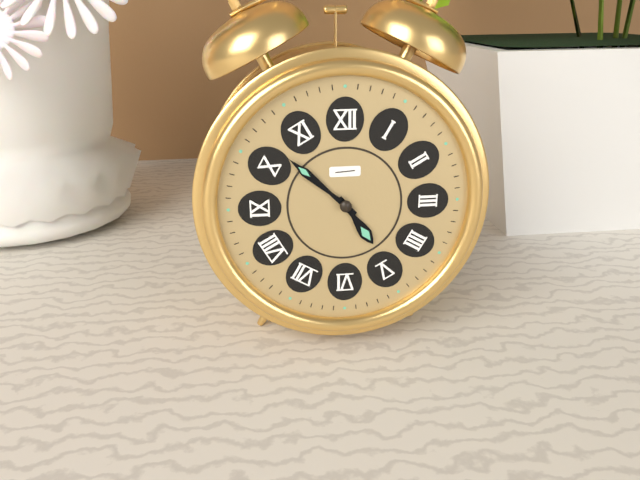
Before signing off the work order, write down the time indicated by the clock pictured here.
4:52
